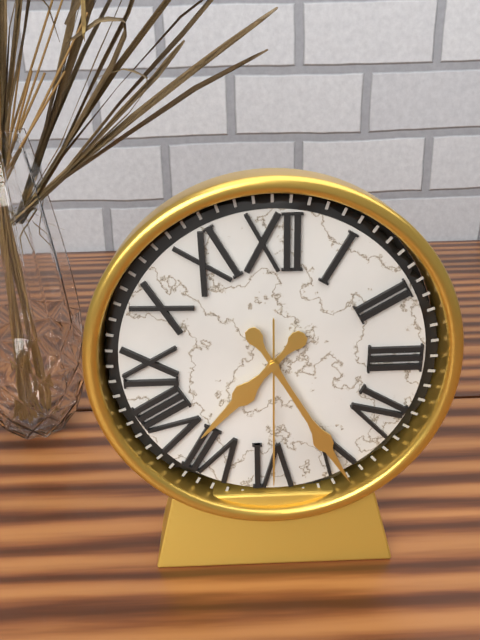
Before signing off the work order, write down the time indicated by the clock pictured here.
7:25:30
